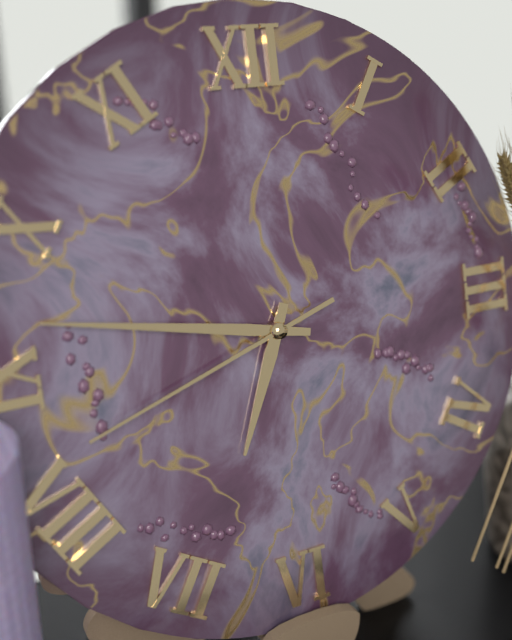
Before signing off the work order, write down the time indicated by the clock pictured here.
6:47:42
